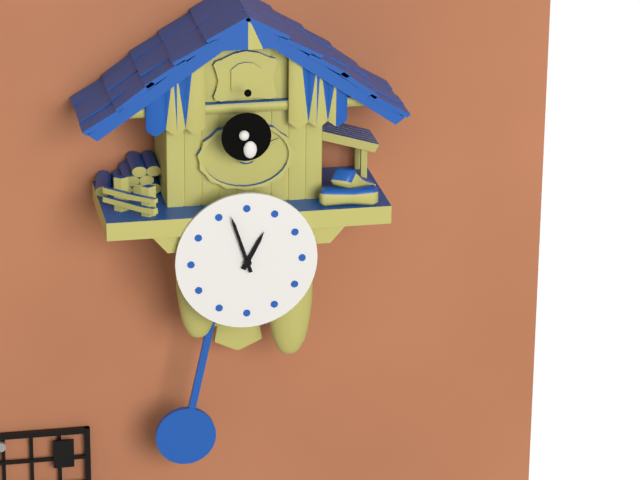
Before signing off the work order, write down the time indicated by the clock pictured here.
12:57
